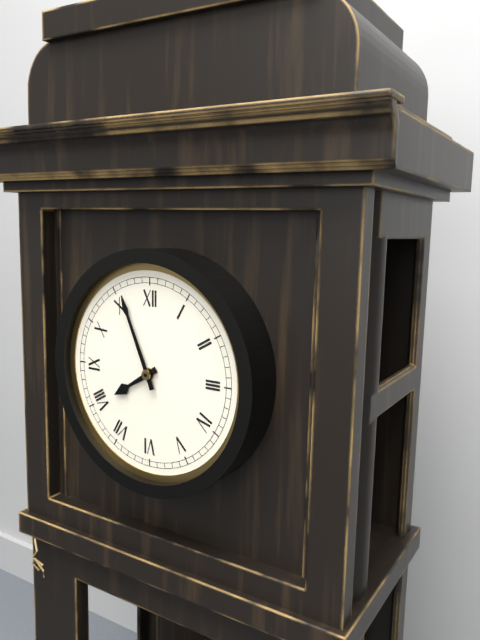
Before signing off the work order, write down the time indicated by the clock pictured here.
7:56
